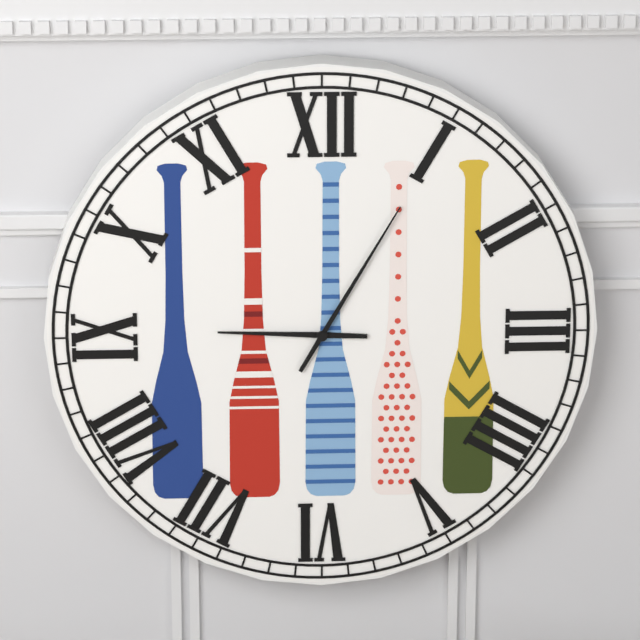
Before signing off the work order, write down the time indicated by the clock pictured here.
9:05
